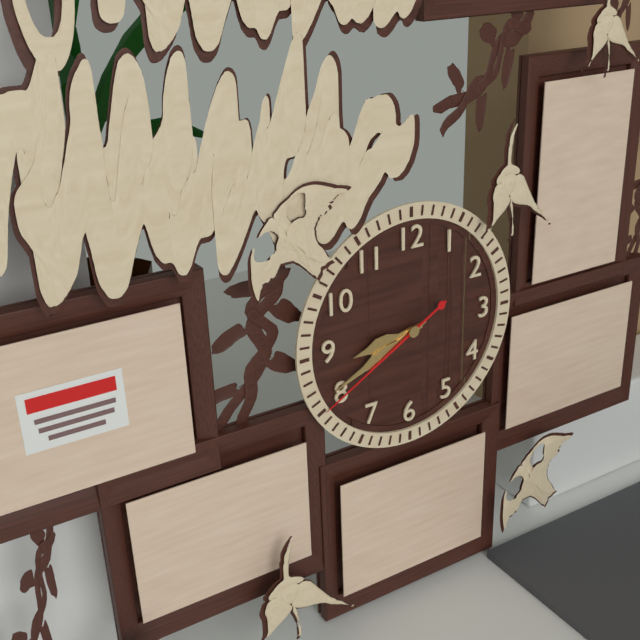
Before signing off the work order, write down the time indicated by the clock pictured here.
8:41:40
